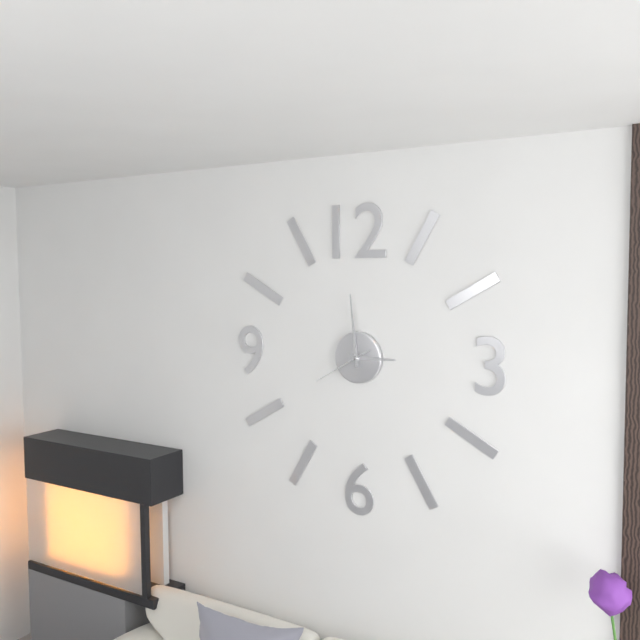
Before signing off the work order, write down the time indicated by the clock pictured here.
2:59:40
